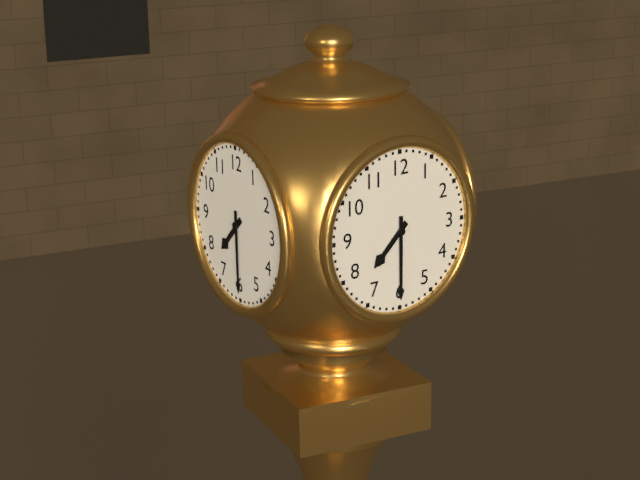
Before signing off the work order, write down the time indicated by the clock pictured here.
7:30
